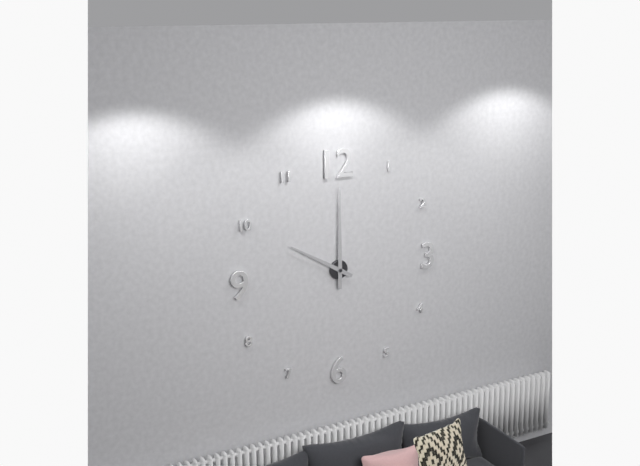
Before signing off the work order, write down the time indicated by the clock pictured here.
10:00
